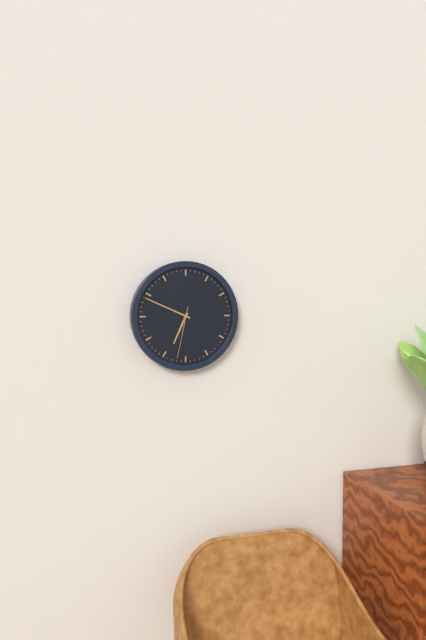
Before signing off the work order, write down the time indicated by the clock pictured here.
6:49:32
